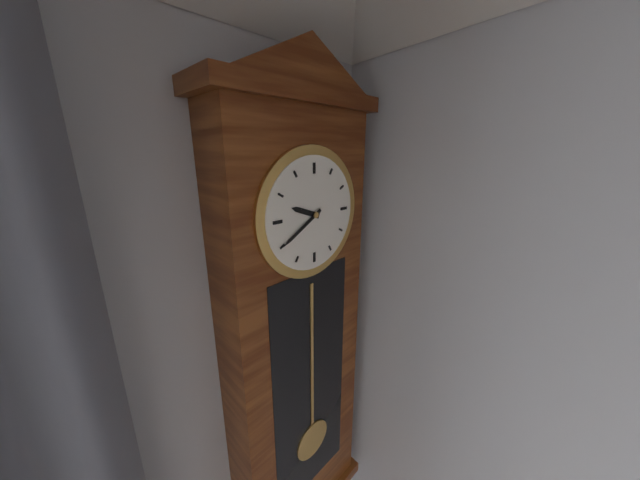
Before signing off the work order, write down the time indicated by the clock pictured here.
9:40
